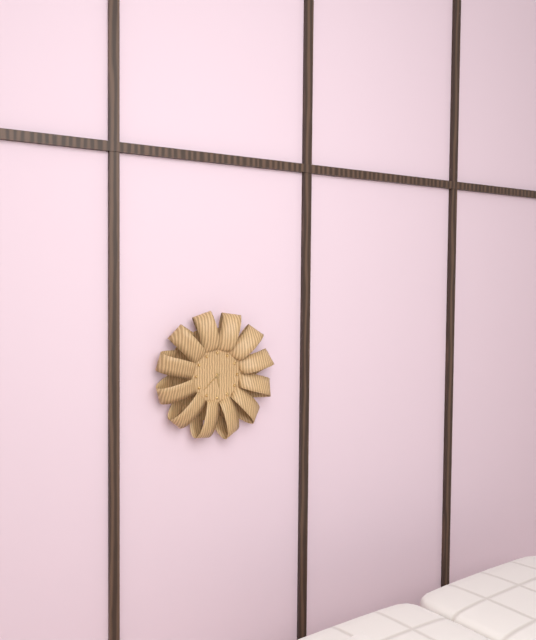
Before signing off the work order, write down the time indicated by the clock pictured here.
5:38
